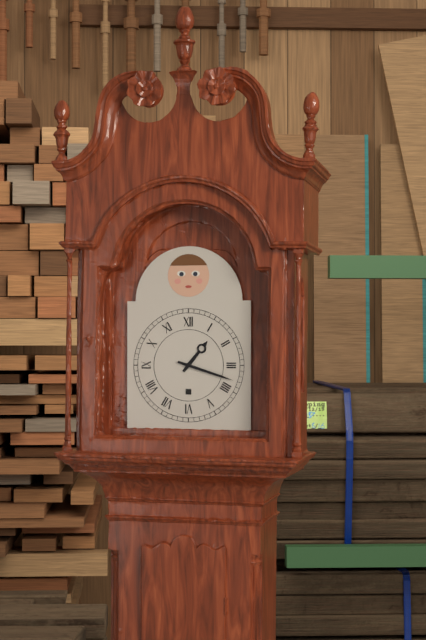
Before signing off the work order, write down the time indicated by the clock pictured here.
1:18
